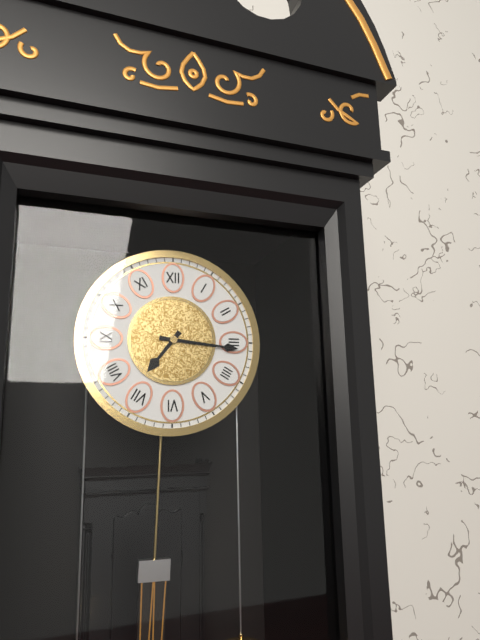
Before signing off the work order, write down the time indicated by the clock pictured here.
7:16
